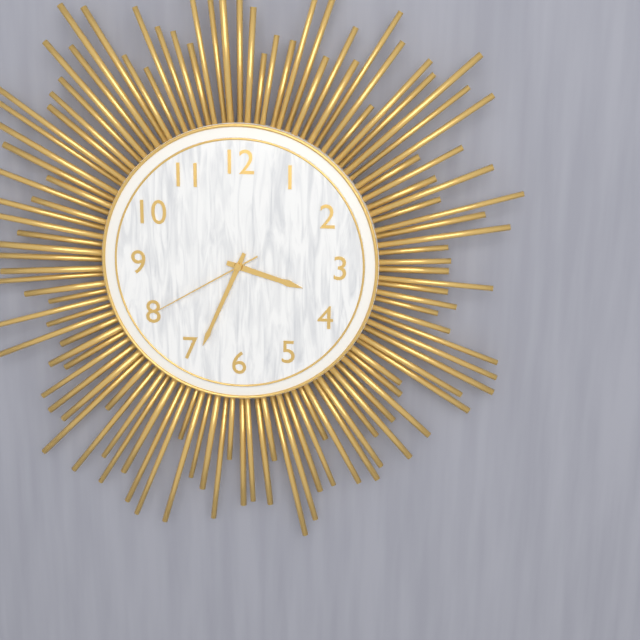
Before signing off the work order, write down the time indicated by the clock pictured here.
3:34:40
